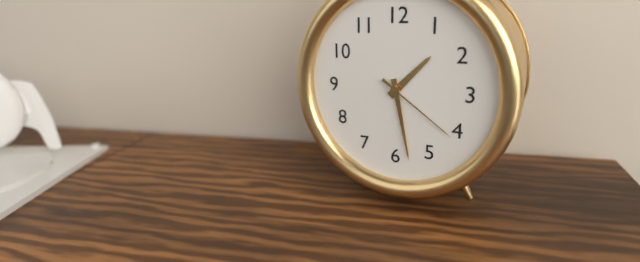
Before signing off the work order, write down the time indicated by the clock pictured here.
1:28:21
